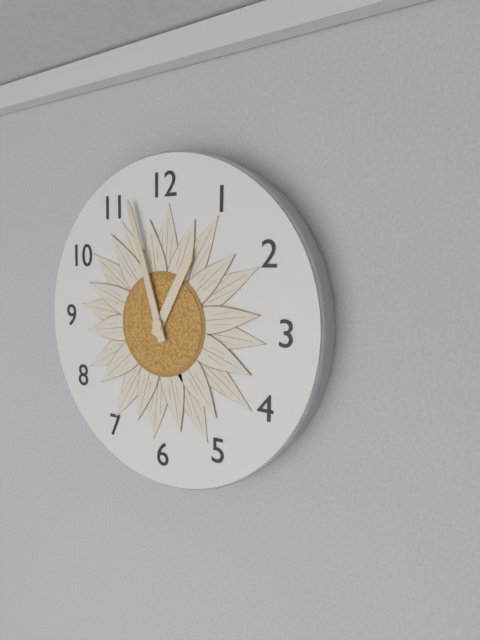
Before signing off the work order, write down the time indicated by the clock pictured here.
12:57
